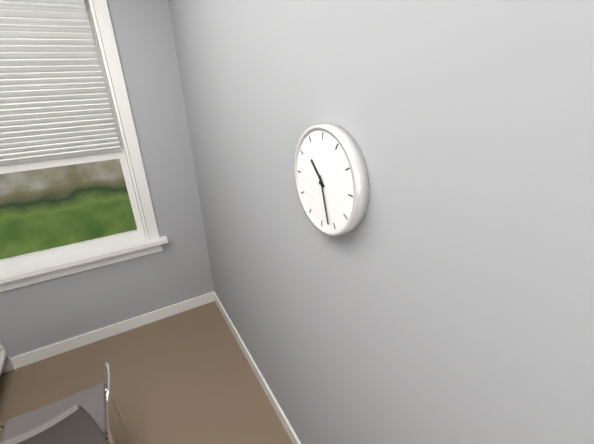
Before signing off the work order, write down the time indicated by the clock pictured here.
10:27
